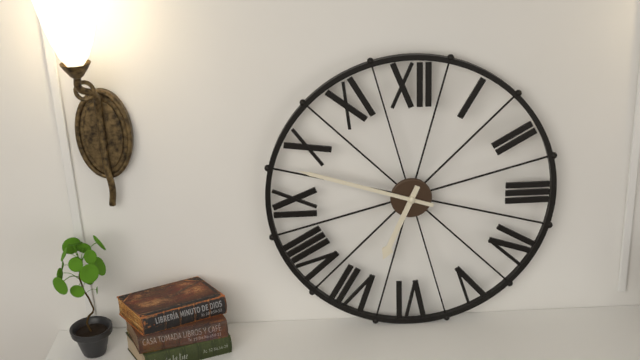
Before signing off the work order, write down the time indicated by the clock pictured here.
6:48
